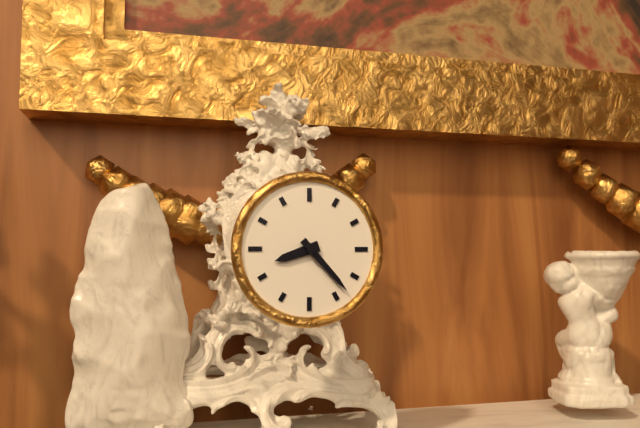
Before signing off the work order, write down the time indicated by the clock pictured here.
8:23
